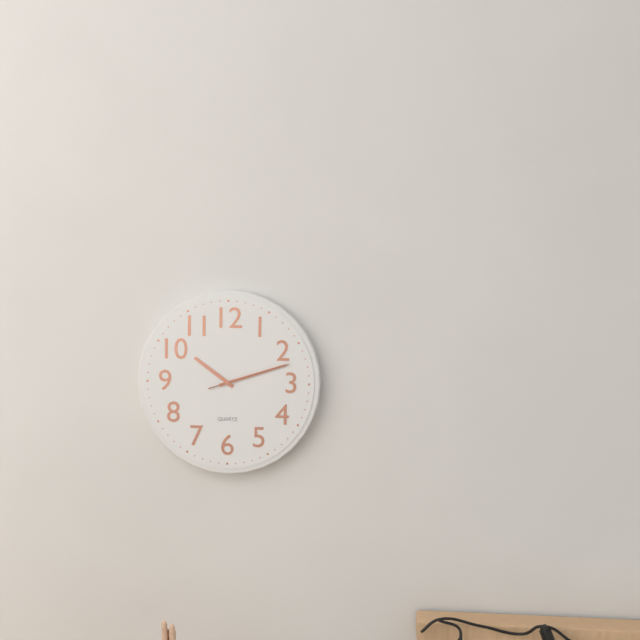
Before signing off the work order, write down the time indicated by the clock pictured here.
10:12:12
